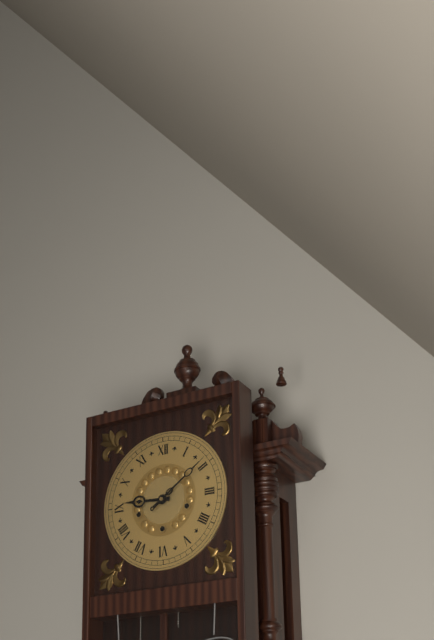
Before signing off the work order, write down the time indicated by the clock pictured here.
9:09
